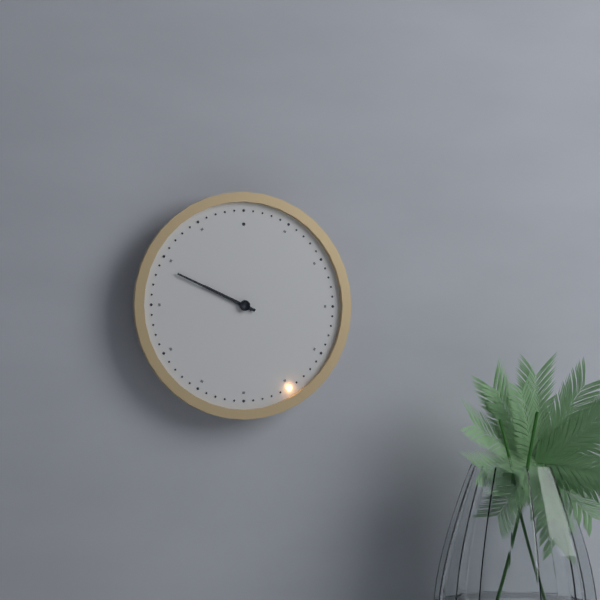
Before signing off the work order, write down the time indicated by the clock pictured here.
9:49
